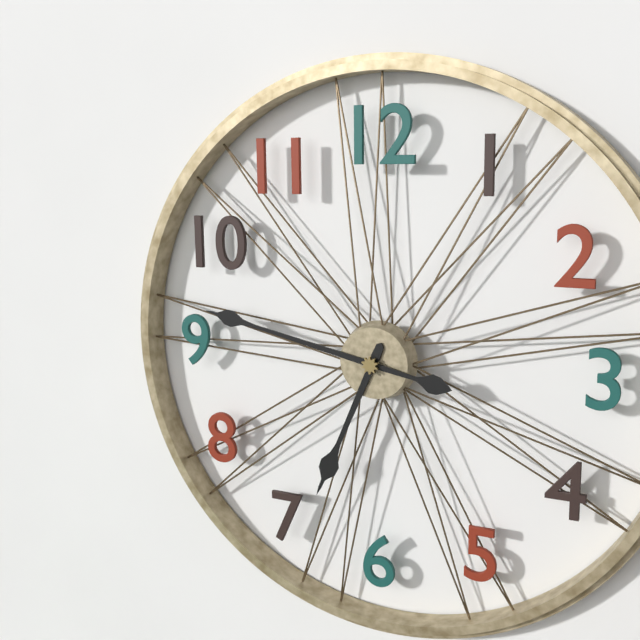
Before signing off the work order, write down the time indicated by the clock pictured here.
6:47
